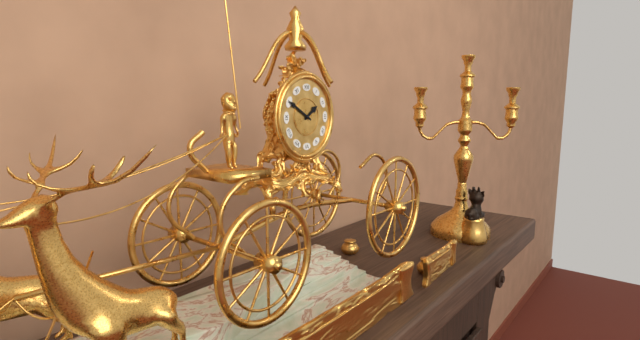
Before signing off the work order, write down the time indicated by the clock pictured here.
1:50
